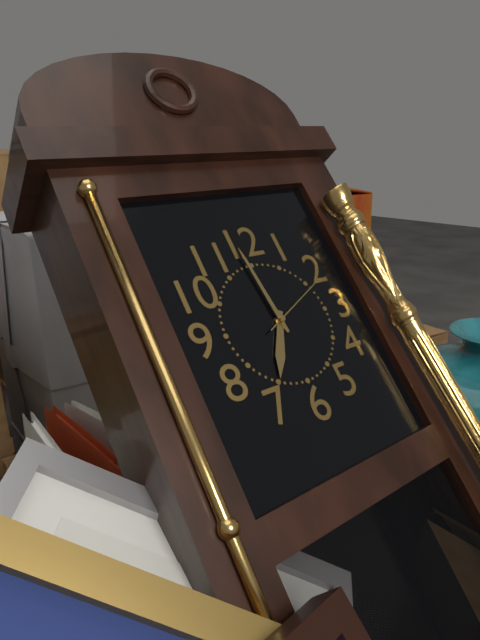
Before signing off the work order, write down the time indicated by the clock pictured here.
6:59:11
